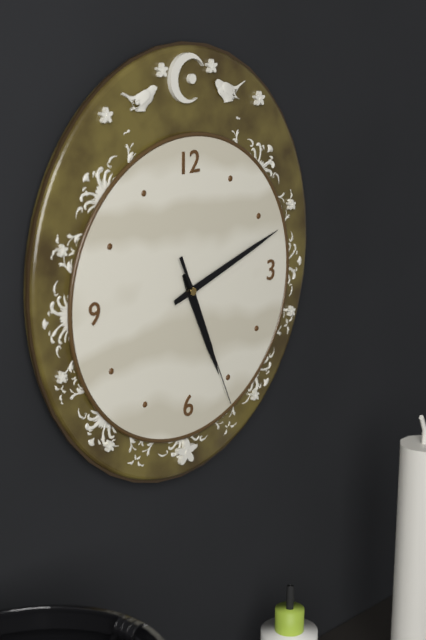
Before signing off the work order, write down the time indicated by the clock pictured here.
5:12:26
